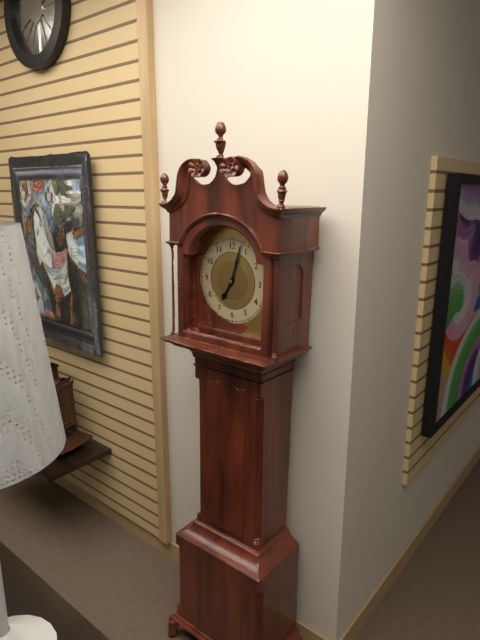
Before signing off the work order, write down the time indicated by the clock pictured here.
7:03
